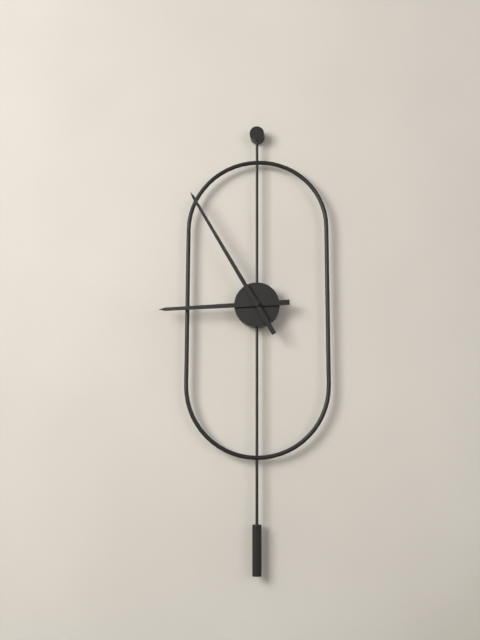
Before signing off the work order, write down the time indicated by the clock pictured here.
8:55
